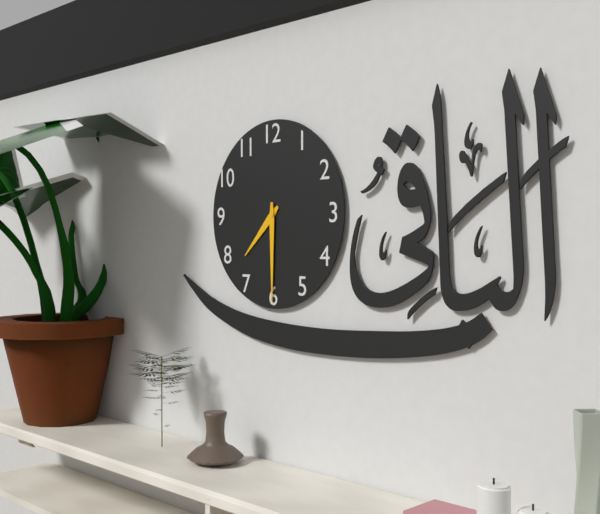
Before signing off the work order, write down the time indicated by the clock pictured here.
7:30
